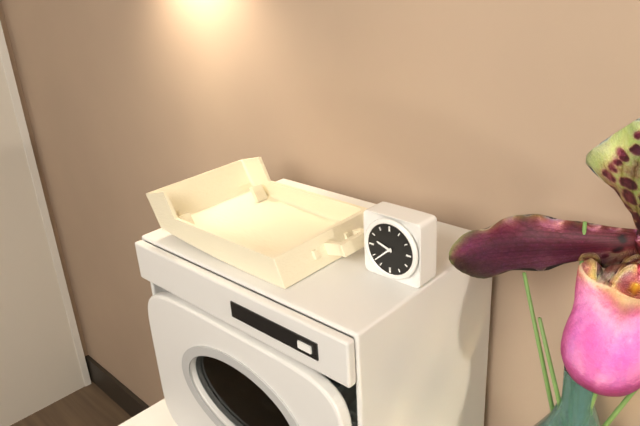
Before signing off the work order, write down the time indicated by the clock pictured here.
9:38
